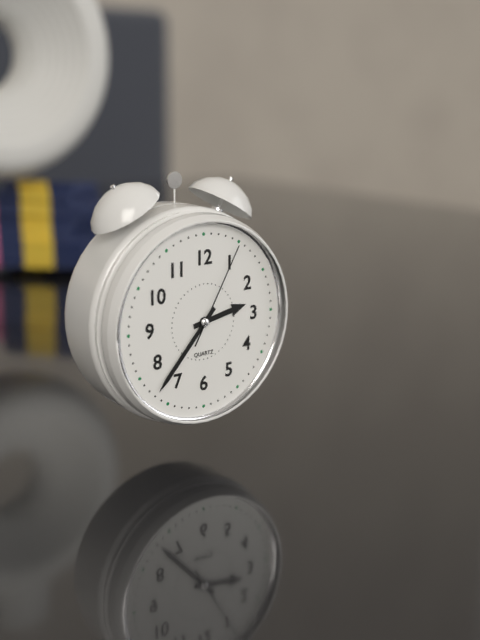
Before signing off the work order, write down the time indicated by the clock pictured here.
2:37:05
